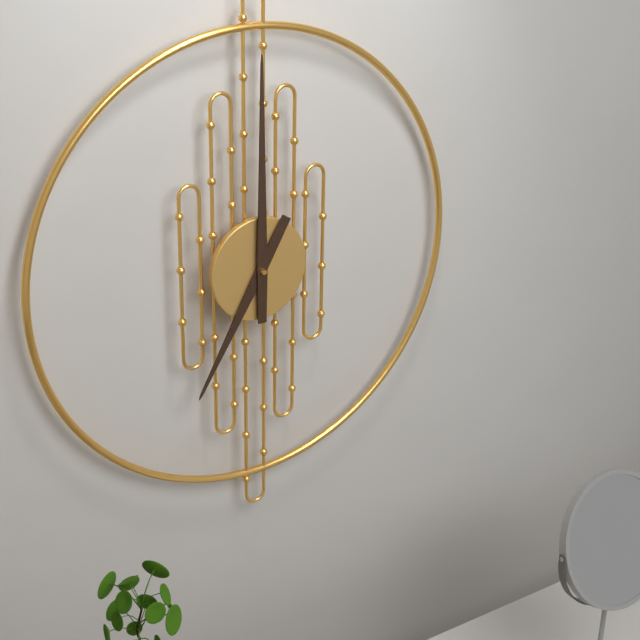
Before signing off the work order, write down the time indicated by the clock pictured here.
7:00
